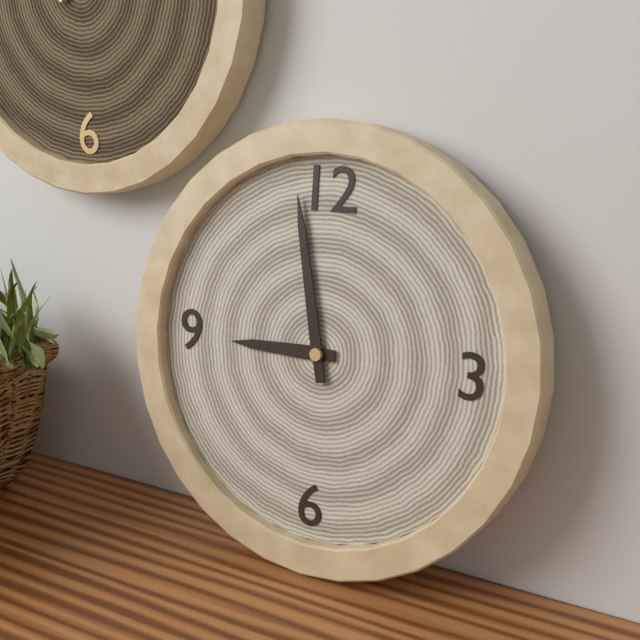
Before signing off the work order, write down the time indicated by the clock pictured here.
8:58
